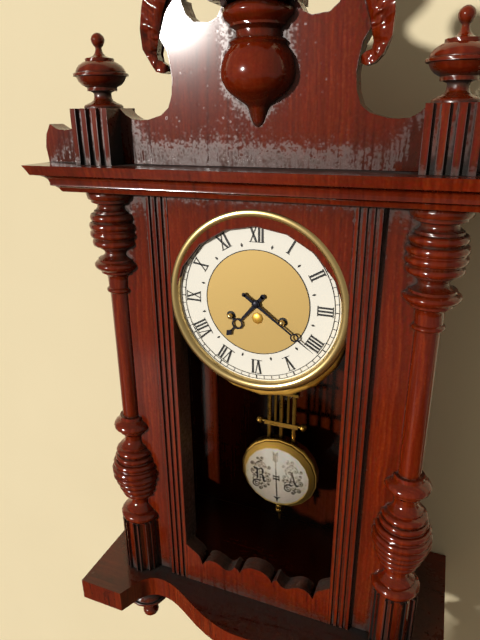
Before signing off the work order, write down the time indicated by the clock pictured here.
7:21
